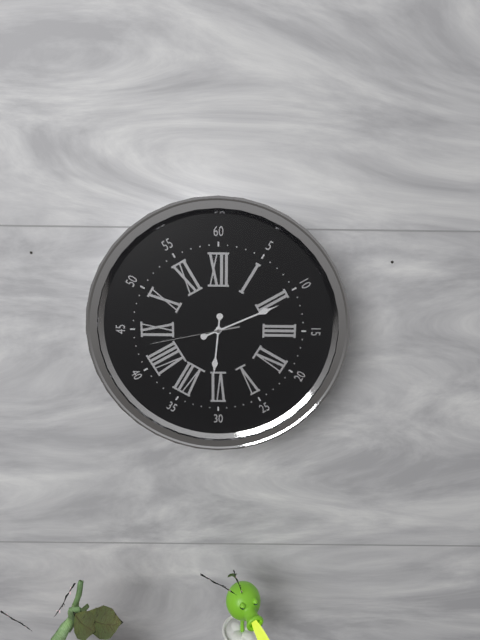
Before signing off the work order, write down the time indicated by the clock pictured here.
6:11:43
